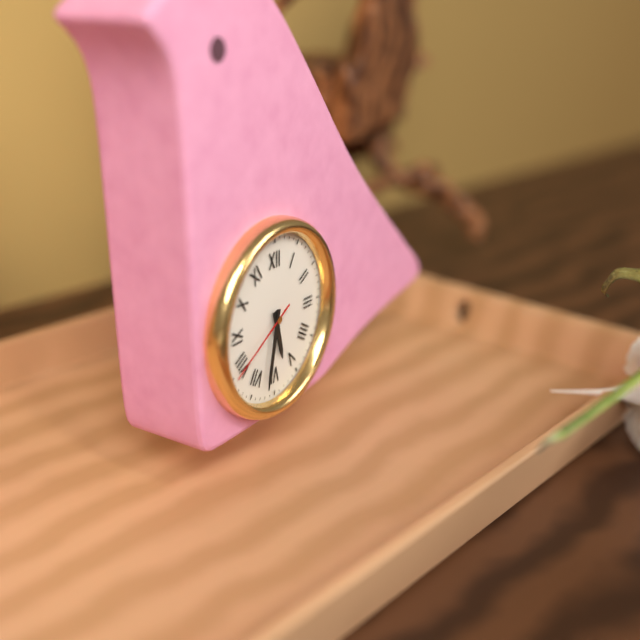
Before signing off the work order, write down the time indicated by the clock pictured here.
5:32:40
